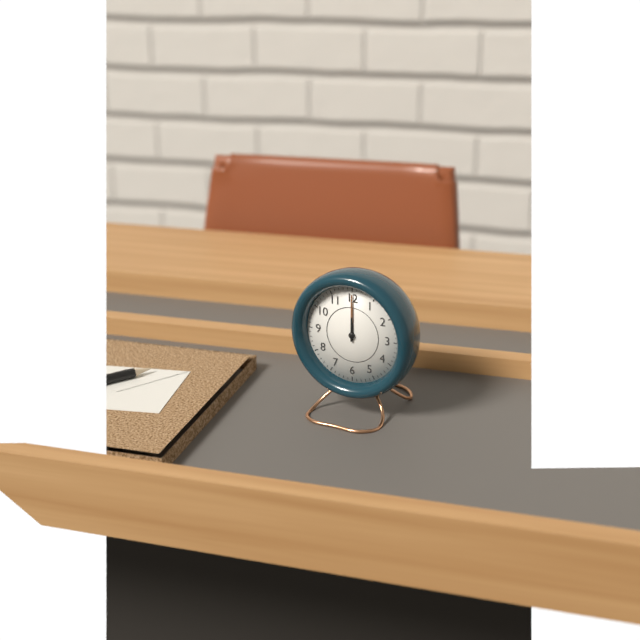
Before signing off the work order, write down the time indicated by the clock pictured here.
12:00
